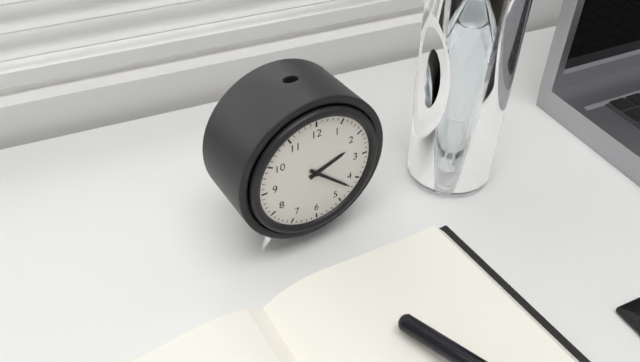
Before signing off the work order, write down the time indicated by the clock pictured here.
2:22
